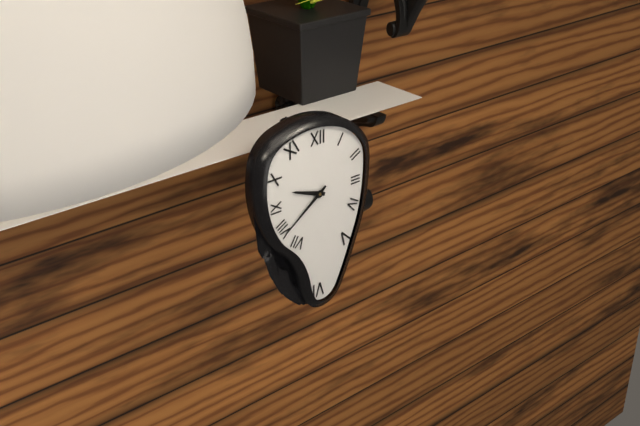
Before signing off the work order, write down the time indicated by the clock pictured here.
9:39
